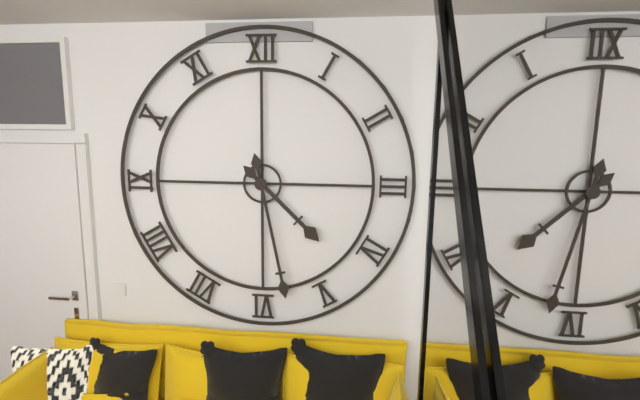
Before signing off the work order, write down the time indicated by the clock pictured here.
4:28
